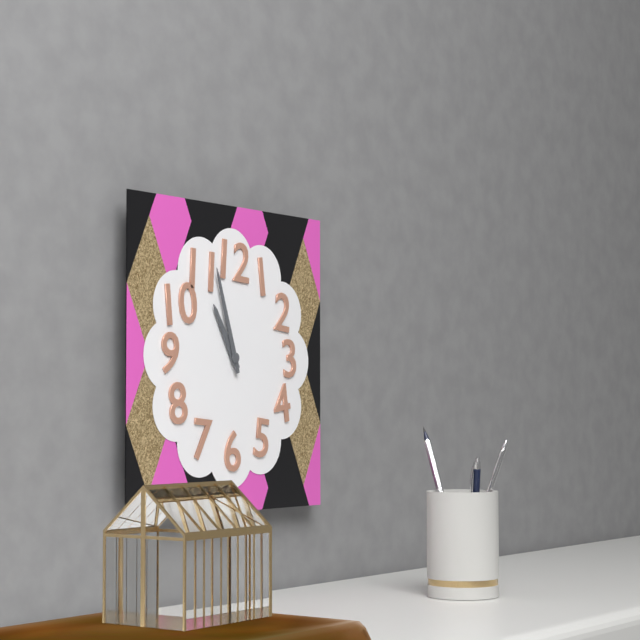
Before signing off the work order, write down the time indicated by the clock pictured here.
10:57
